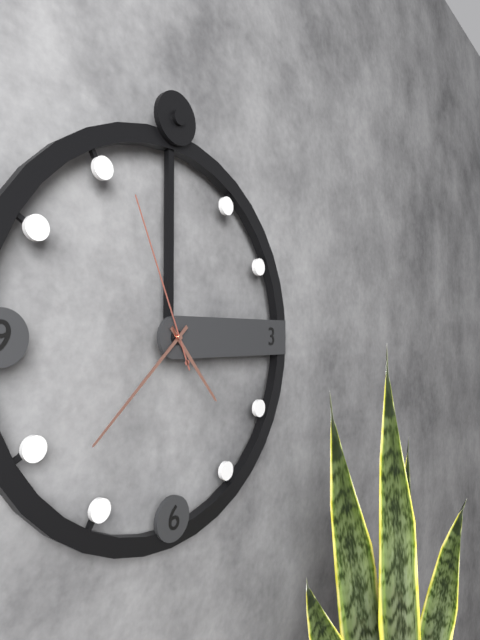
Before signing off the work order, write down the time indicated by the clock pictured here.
4:38:56
